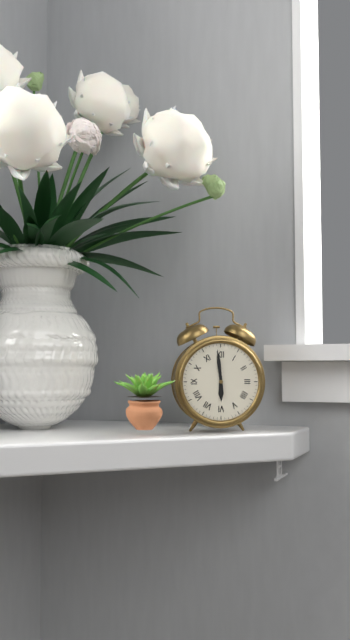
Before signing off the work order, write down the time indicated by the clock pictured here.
5:59
